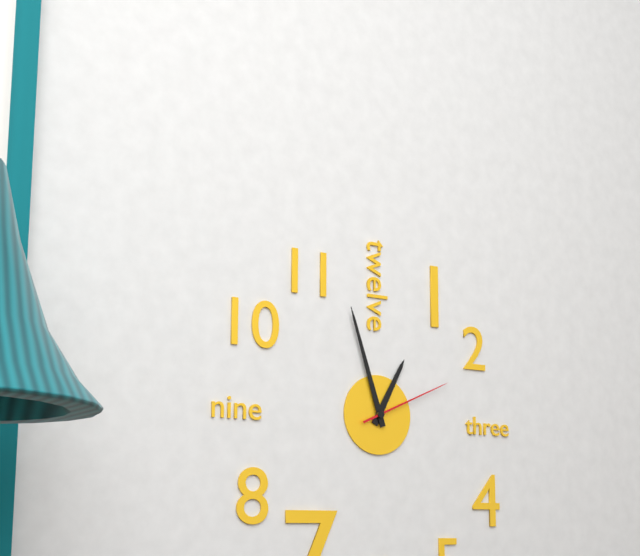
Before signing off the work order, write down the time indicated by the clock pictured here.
12:57:11
